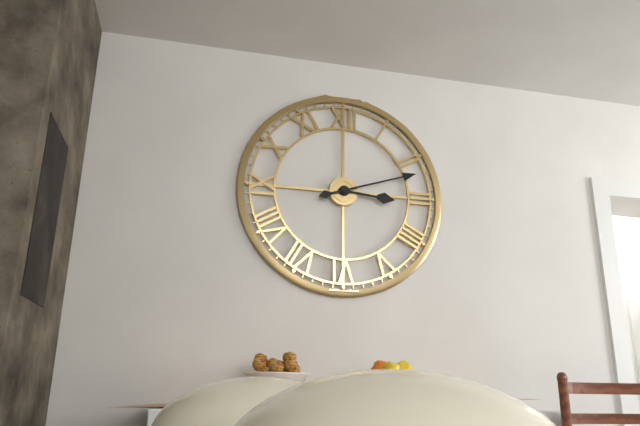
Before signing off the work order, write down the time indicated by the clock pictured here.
3:12
